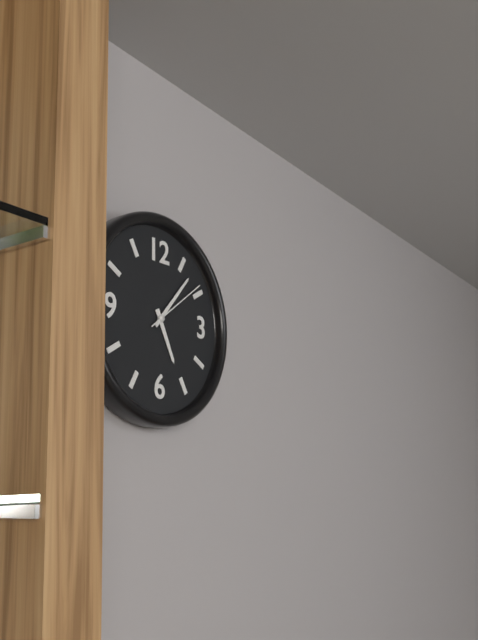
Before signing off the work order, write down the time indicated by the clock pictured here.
5:07:09
